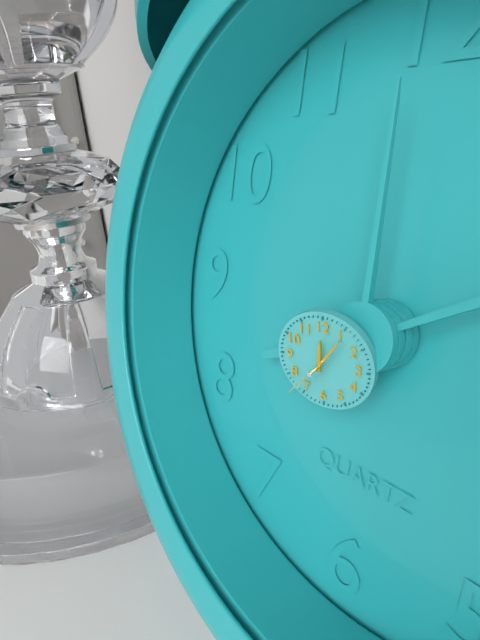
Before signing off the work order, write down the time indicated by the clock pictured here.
12:06:37
